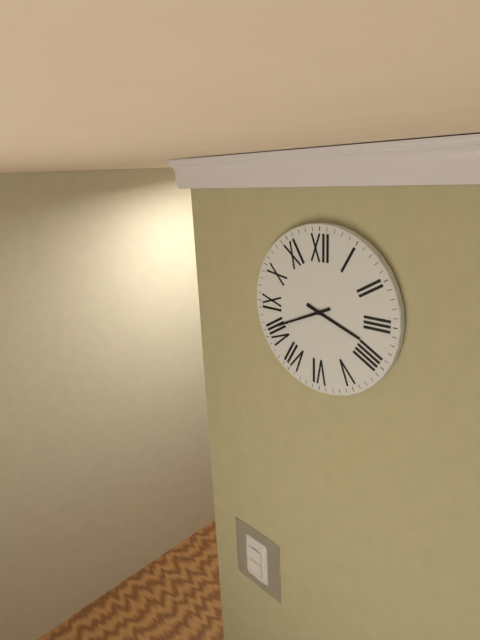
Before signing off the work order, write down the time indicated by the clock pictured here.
3:41
